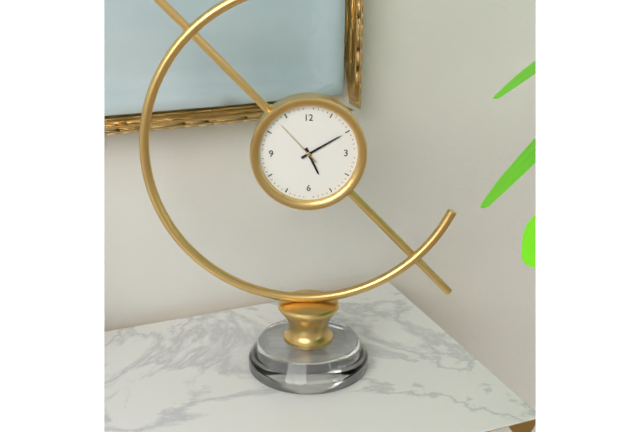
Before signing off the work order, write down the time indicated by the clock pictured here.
5:10:53
